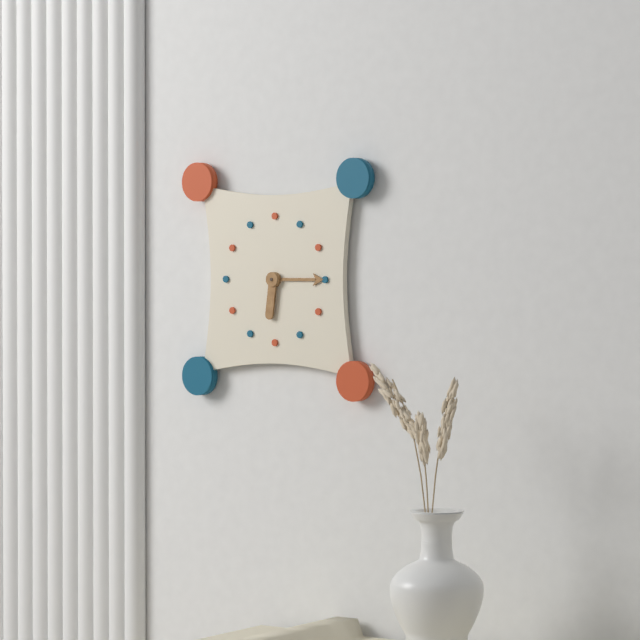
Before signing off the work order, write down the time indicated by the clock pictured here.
6:15
